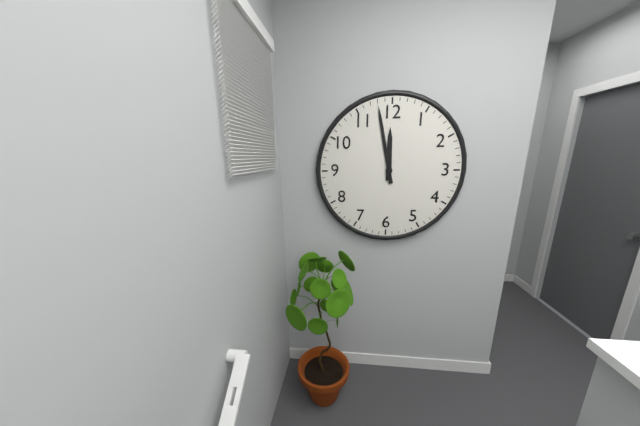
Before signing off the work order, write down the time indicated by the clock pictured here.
11:58
